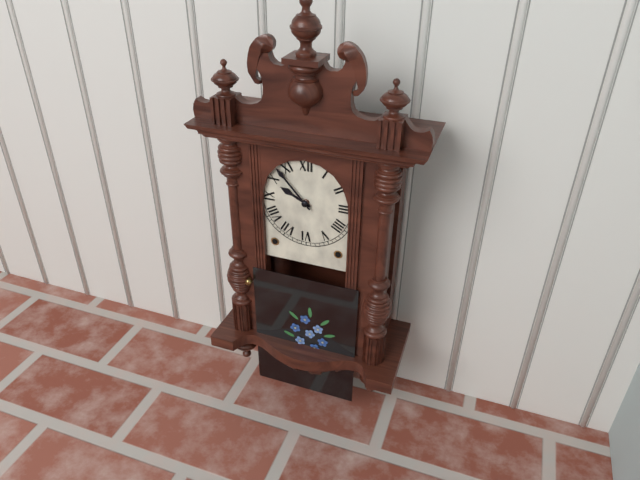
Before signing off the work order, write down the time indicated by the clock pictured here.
9:53
